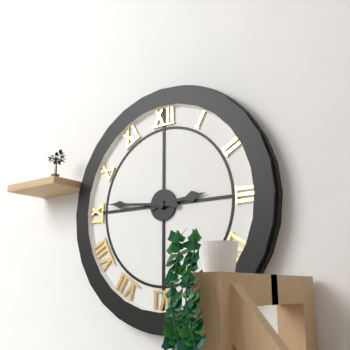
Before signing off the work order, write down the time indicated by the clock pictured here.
2:46
